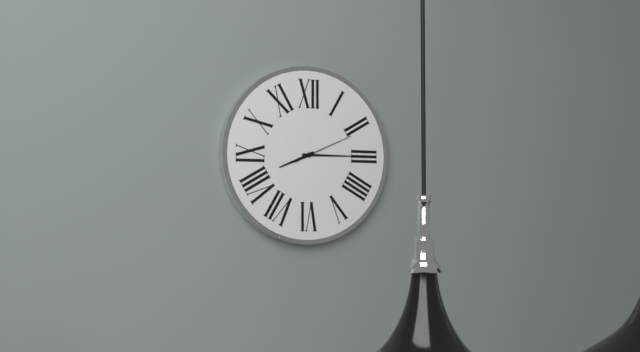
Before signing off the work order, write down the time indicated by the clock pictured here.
8:15:11
